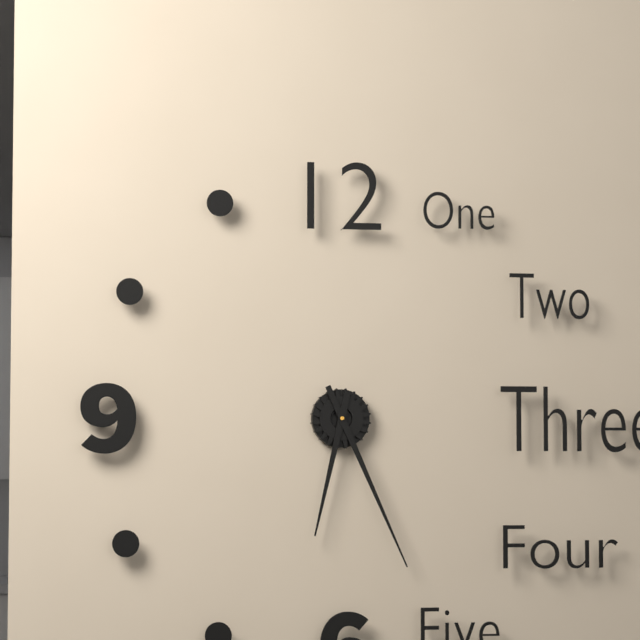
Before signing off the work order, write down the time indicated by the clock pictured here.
6:26
